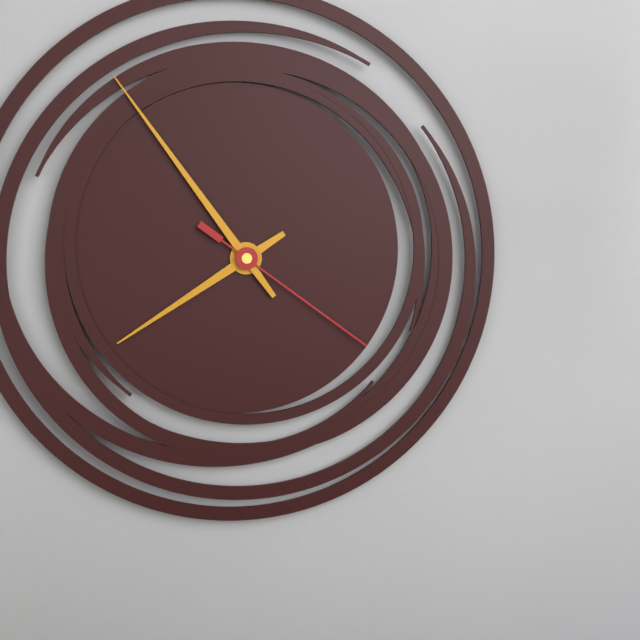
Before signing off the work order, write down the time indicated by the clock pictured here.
7:54:21
